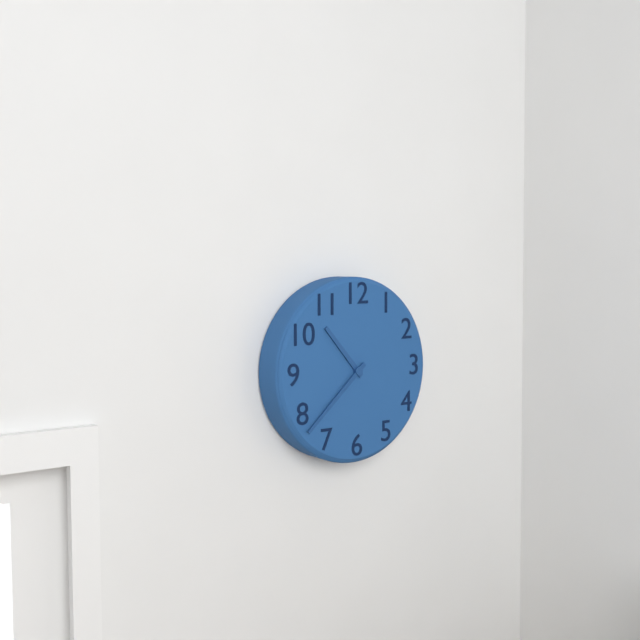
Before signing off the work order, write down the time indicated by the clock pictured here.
10:38
